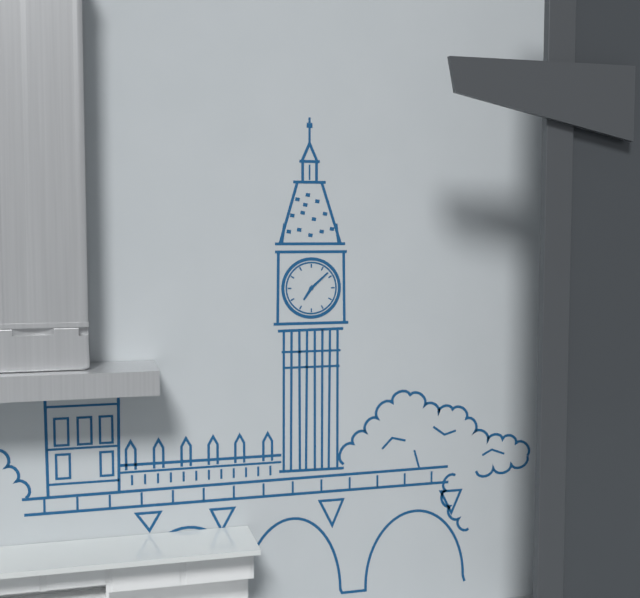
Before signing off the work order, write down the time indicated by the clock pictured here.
7:08
